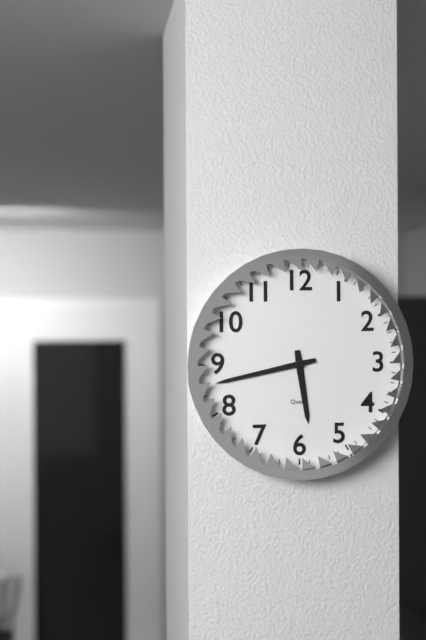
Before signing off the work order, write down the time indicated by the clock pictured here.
5:43
